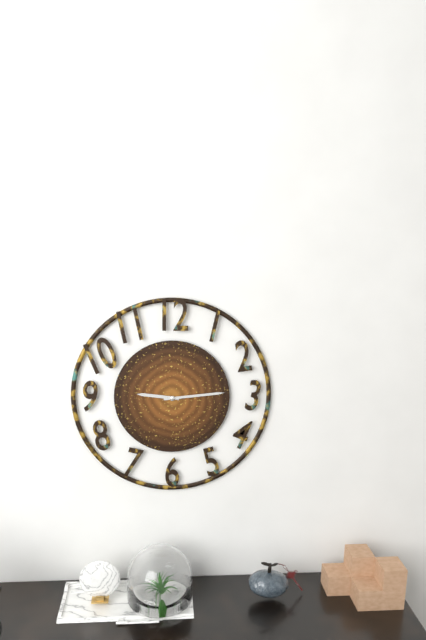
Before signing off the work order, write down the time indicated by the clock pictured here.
9:14
